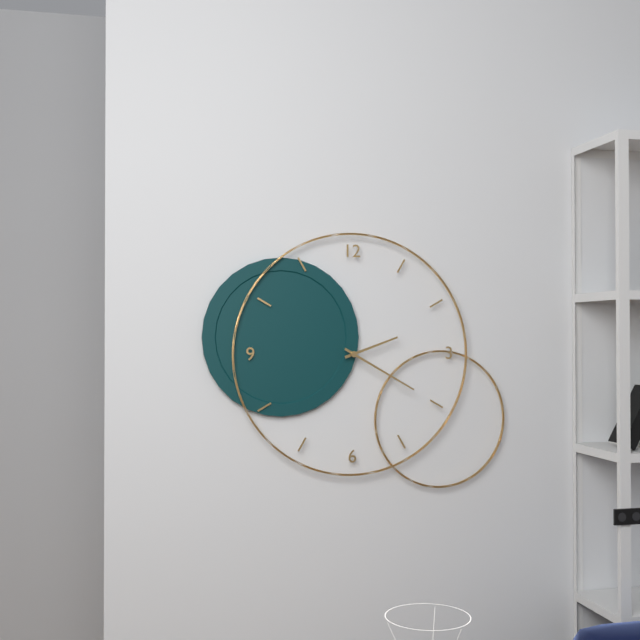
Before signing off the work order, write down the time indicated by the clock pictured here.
2:20
